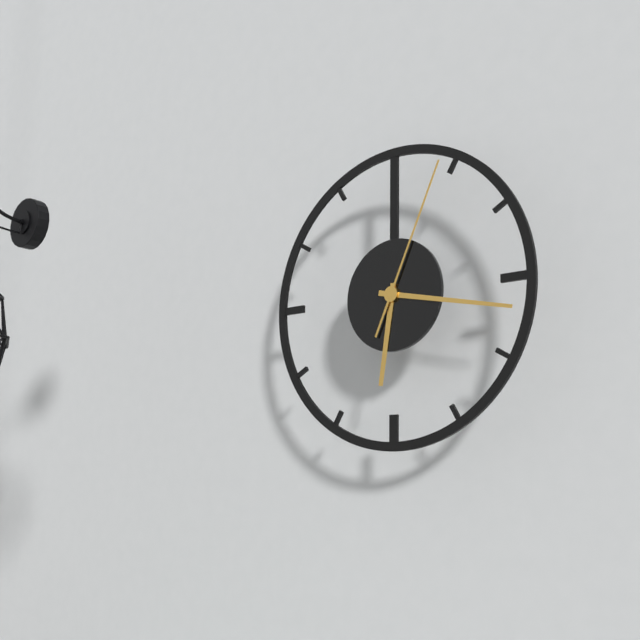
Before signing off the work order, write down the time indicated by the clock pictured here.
6:17:04
